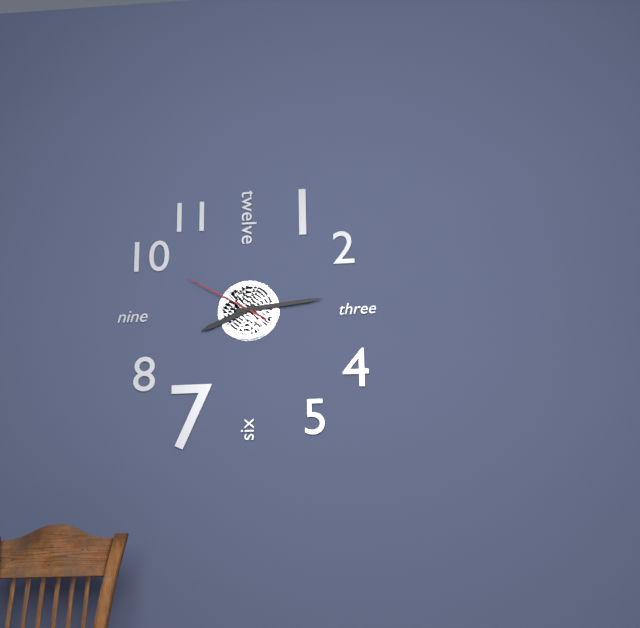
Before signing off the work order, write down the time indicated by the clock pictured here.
8:14:50
